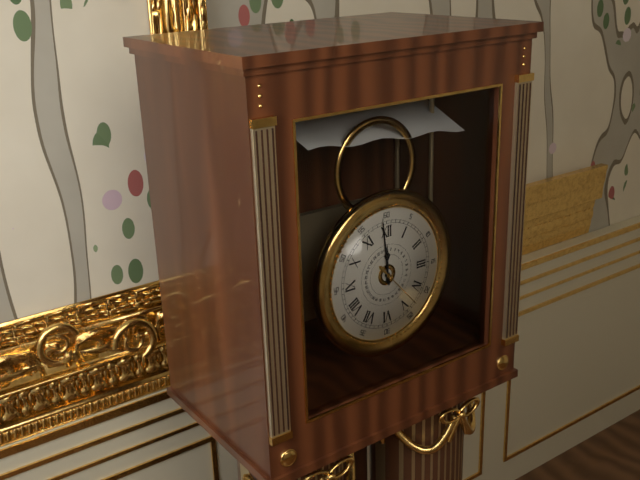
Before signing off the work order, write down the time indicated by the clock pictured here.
11:59:23
